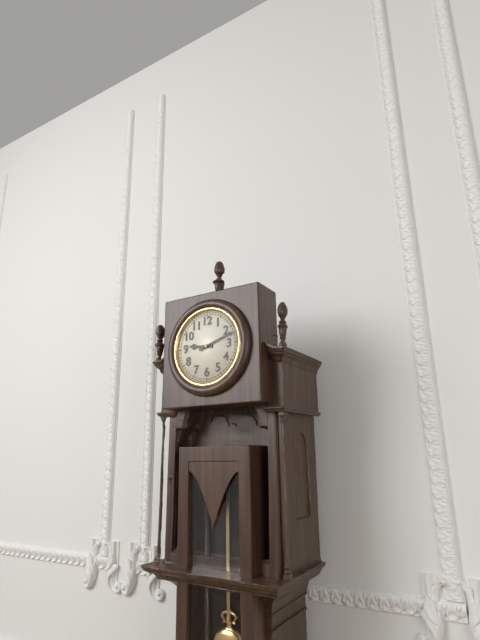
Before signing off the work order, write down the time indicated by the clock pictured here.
9:12
